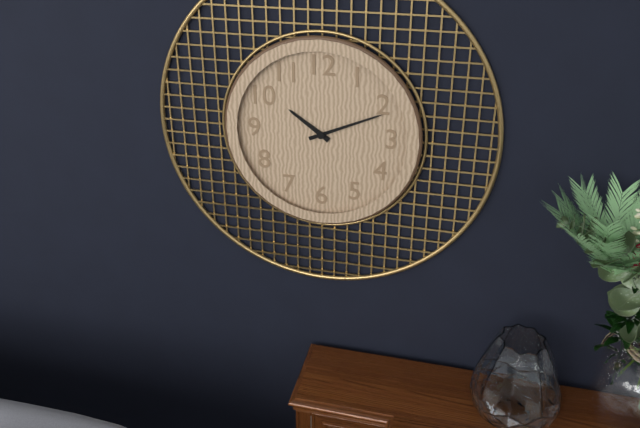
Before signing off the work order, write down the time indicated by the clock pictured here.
10:11
